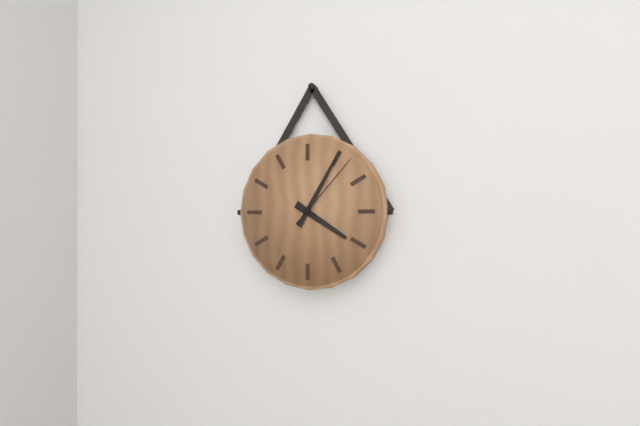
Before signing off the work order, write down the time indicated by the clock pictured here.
4:05:07
